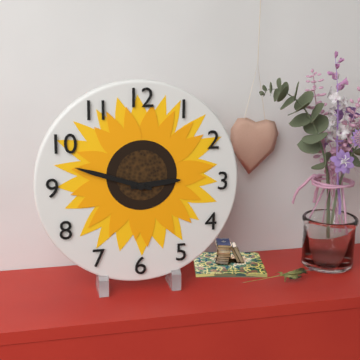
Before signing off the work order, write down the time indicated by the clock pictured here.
2:48
